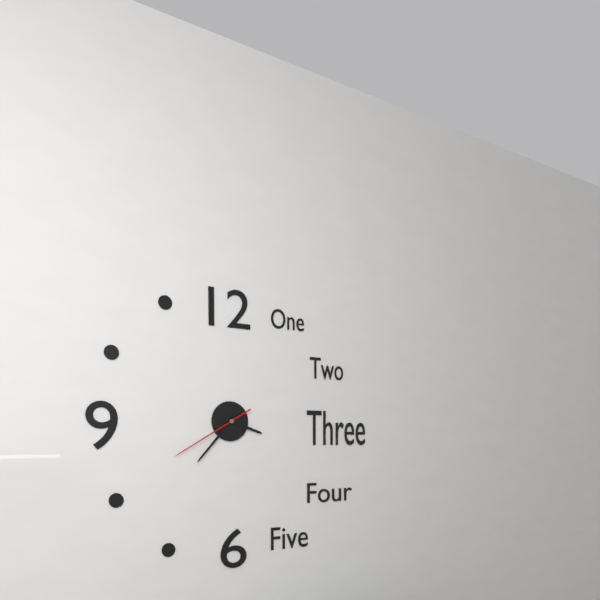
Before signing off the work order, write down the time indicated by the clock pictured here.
3:37:40
